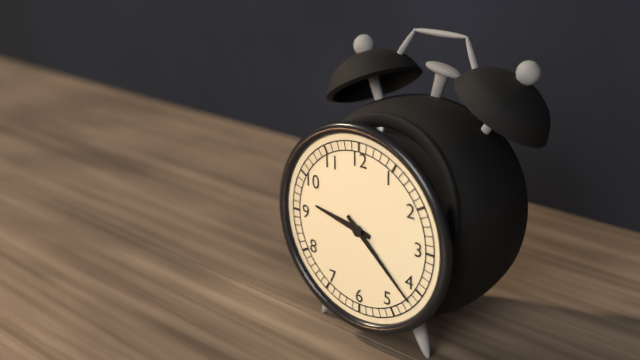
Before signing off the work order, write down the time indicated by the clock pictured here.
9:22
